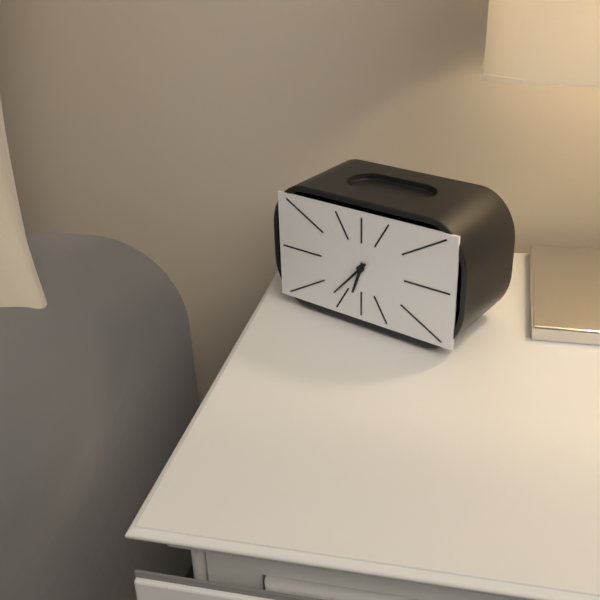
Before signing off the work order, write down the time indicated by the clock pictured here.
6:37
